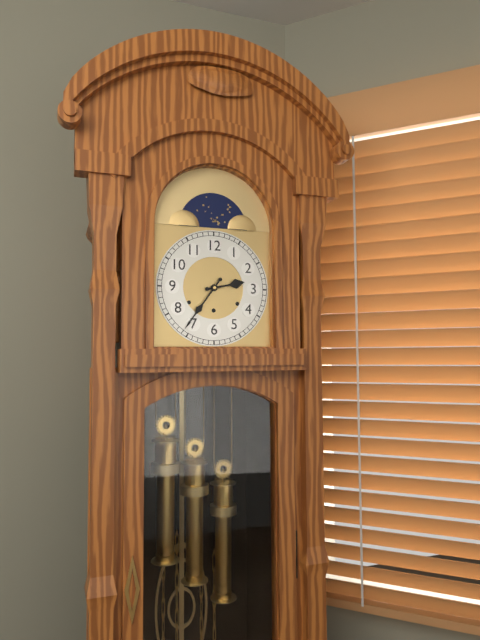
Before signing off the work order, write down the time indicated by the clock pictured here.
2:36
